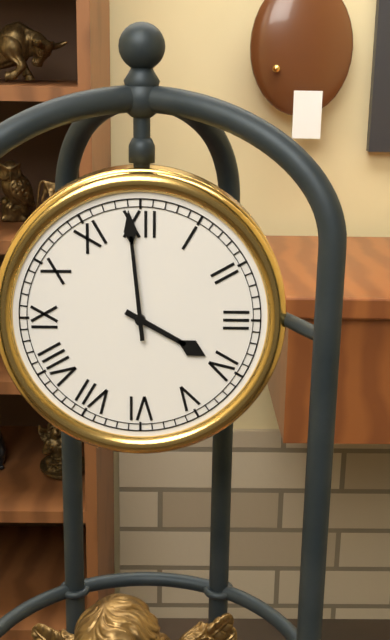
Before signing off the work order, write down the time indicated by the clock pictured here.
3:59
